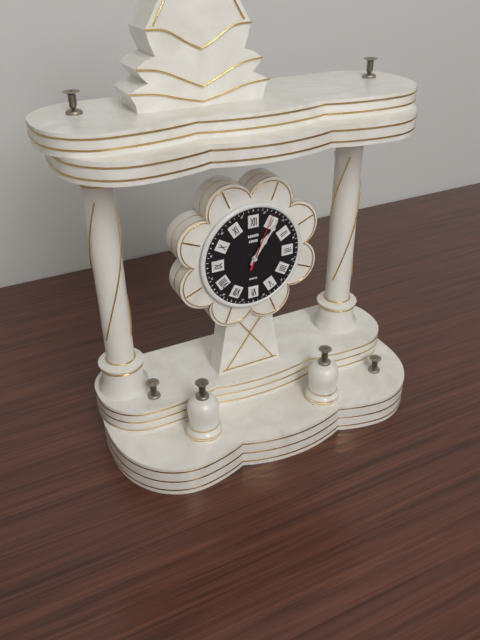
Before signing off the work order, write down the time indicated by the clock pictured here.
1:06:04
